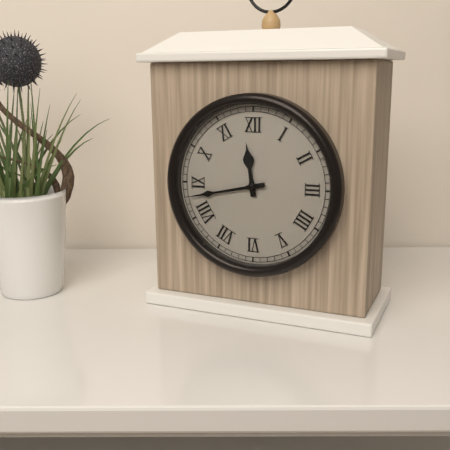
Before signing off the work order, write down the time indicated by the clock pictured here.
11:43
